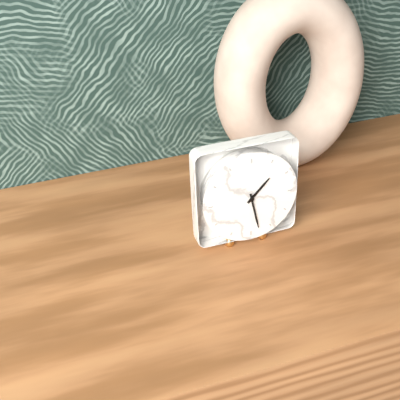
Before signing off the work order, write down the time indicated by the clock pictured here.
1:28
